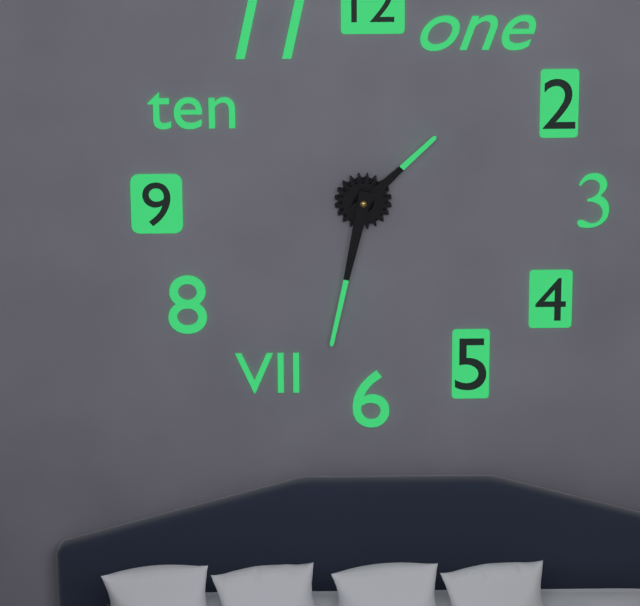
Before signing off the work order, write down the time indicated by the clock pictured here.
1:32
